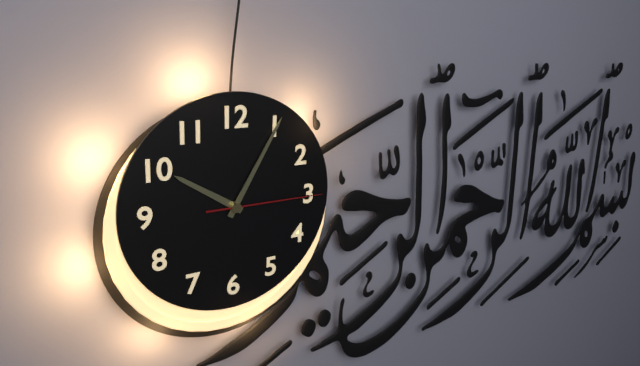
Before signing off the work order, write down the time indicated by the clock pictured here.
10:05:15
